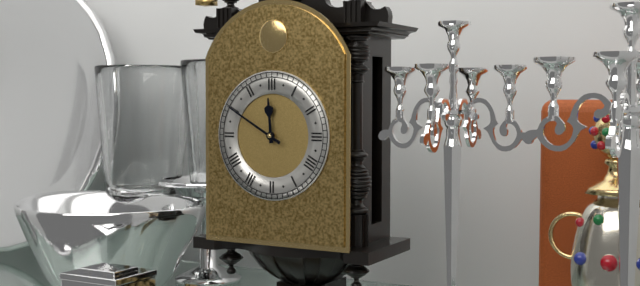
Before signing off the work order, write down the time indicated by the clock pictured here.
11:50
